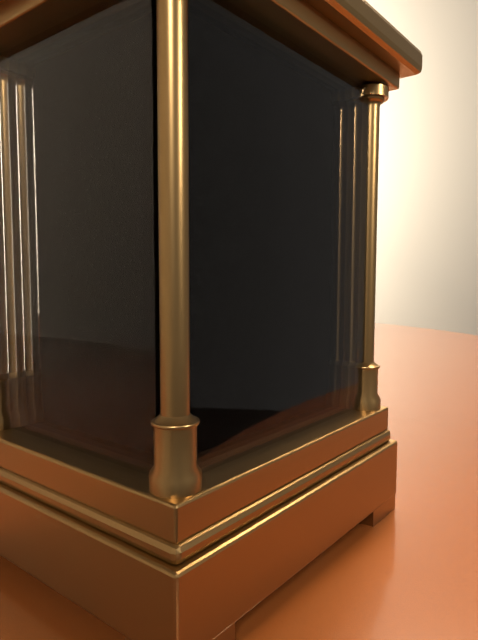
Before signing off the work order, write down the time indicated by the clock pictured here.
10:40
